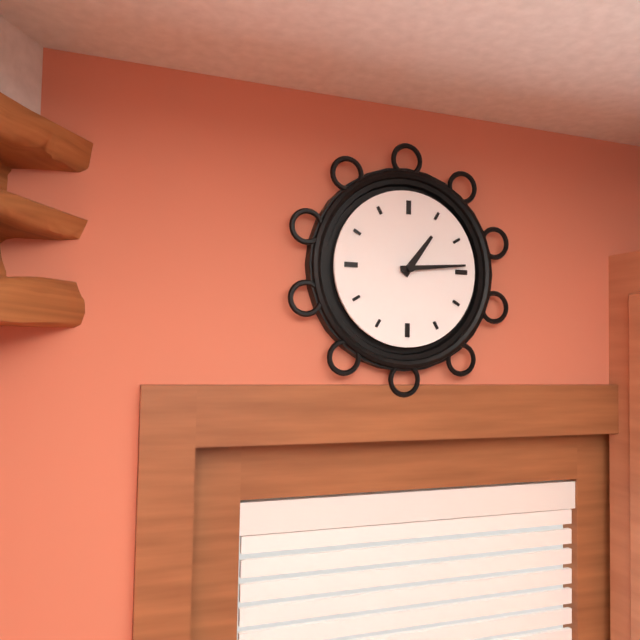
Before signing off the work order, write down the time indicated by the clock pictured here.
1:14
